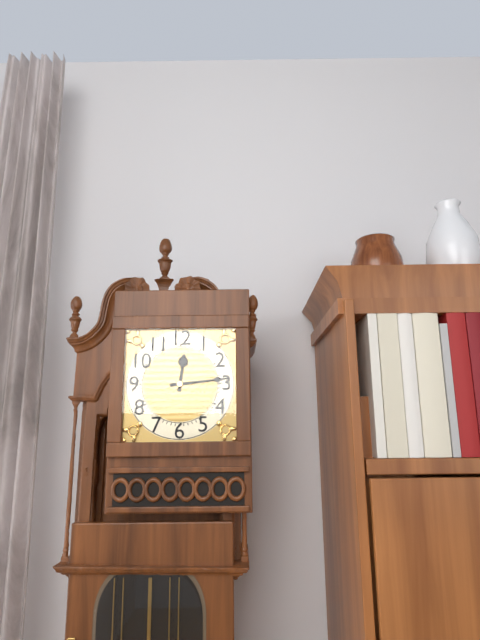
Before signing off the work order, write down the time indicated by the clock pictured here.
12:14
